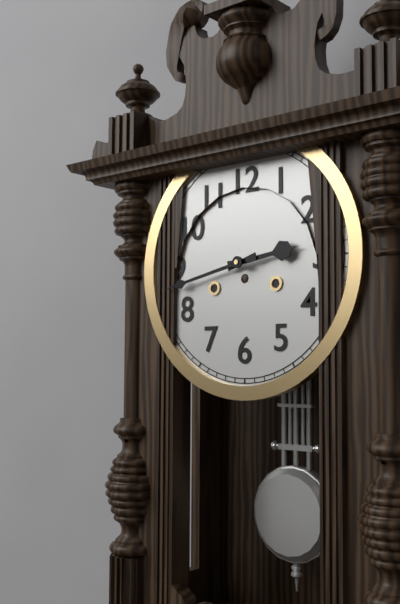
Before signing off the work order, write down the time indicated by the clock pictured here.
2:43
